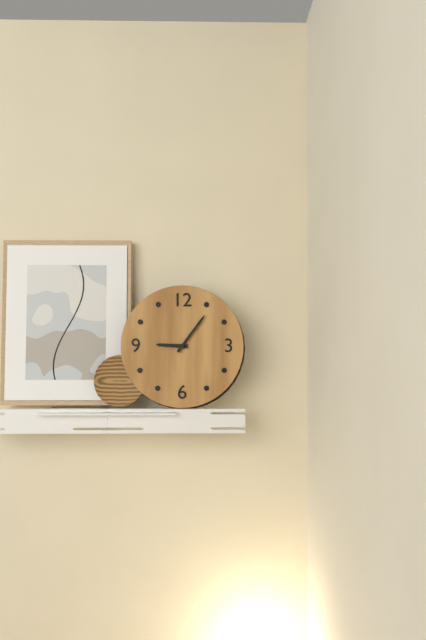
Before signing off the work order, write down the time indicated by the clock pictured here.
9:06
